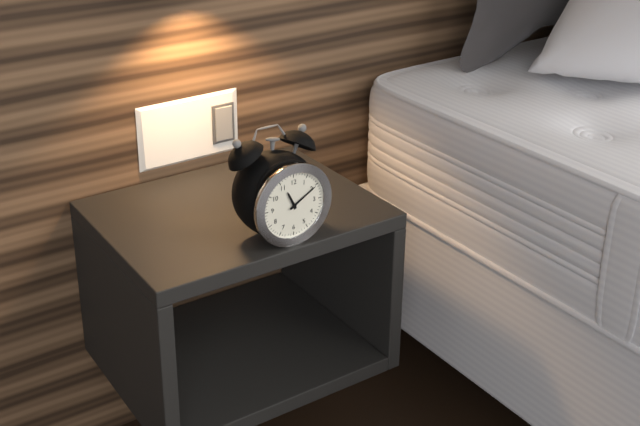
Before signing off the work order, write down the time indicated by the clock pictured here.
11:10
